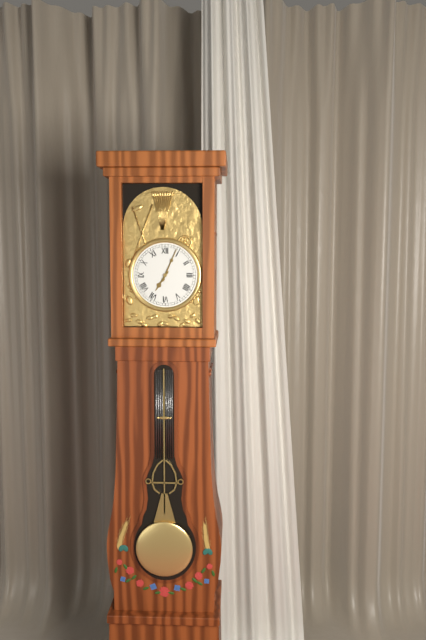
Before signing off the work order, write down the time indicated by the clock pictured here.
7:04
